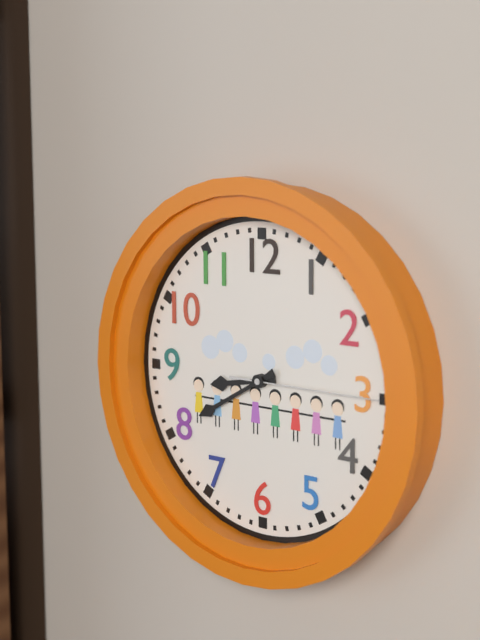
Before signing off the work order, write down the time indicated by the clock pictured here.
8:40:15
